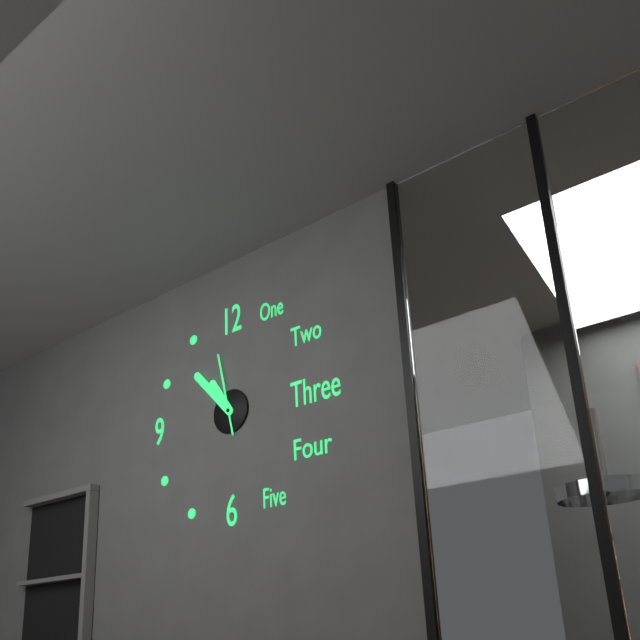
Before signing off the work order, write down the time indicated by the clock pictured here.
10:53:58
